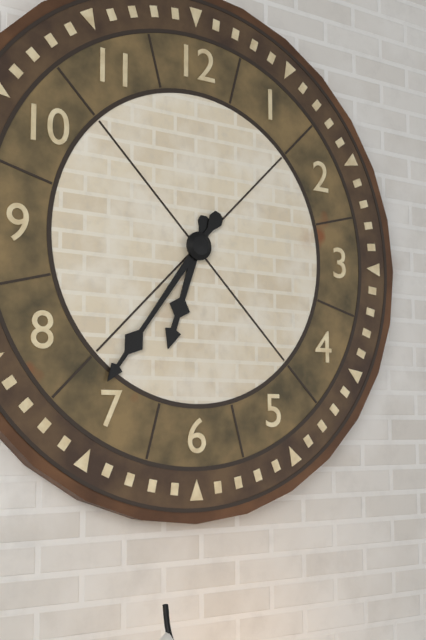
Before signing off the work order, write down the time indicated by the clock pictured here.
6:36
